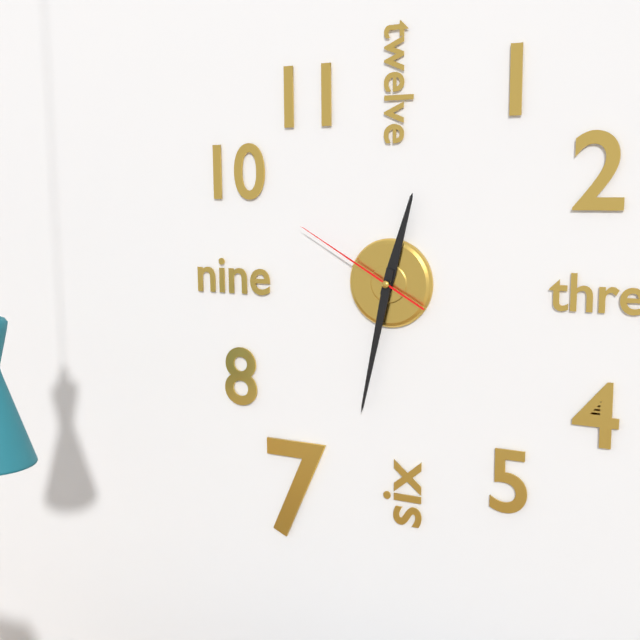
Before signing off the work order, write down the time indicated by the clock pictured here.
12:32:50
